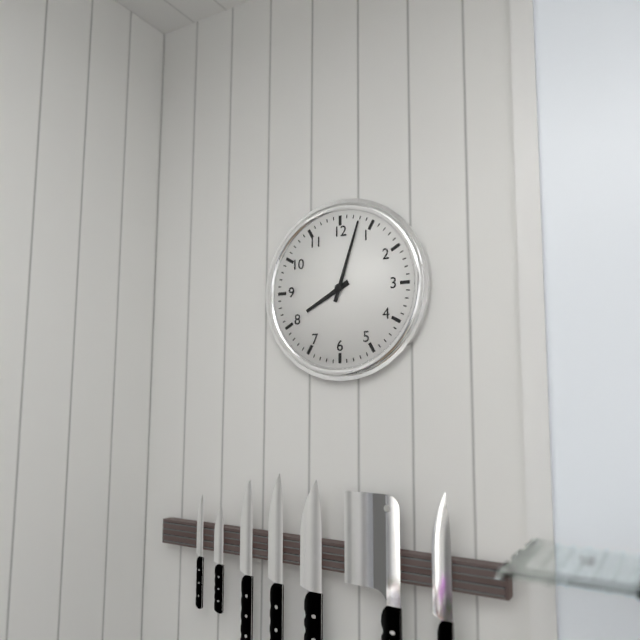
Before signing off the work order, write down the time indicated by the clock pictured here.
8:03
